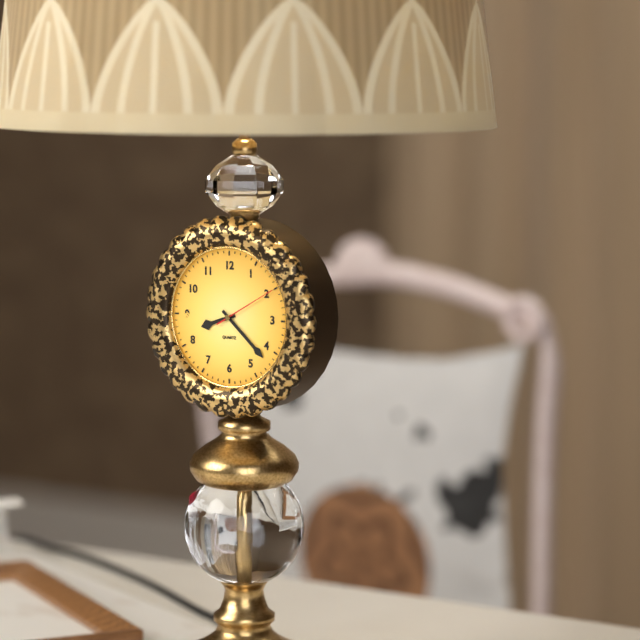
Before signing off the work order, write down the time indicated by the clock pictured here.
8:22:10
